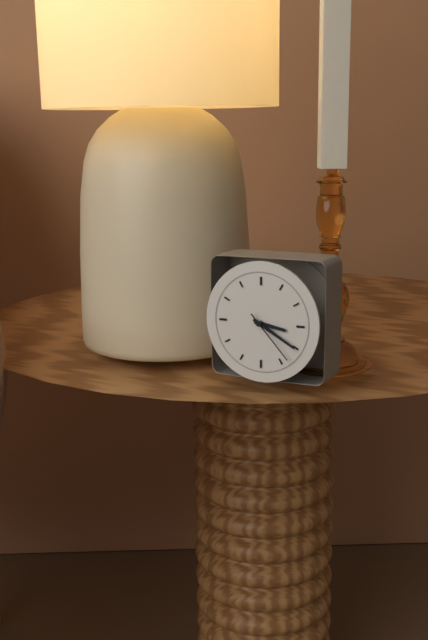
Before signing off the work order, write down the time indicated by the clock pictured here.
3:20:23
